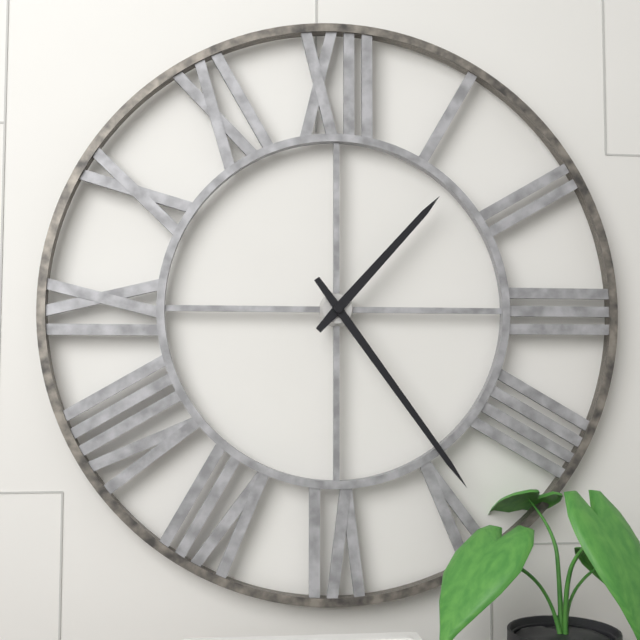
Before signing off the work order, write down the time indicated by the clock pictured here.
1:24
